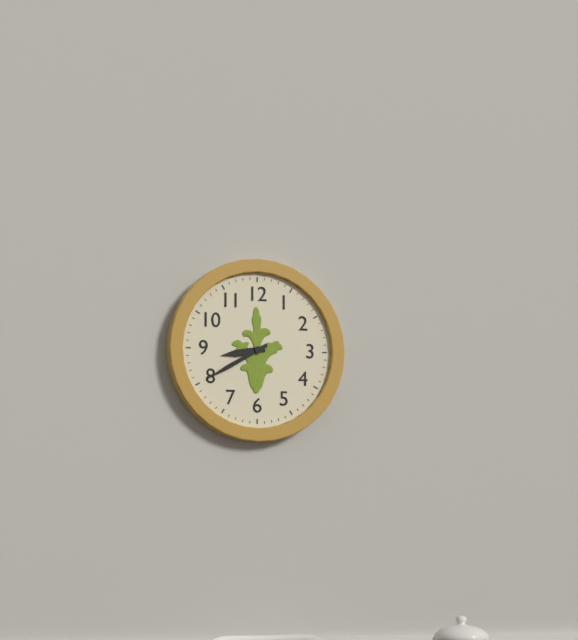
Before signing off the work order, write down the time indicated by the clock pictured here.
8:40
